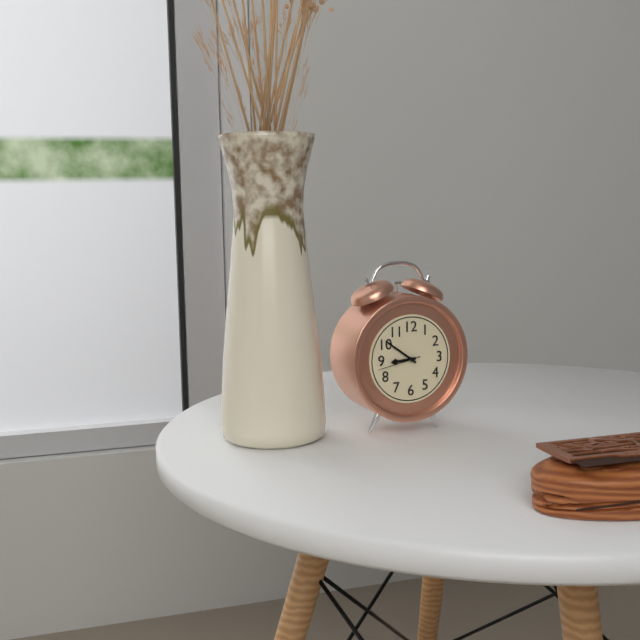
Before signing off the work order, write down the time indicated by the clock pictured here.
8:51
